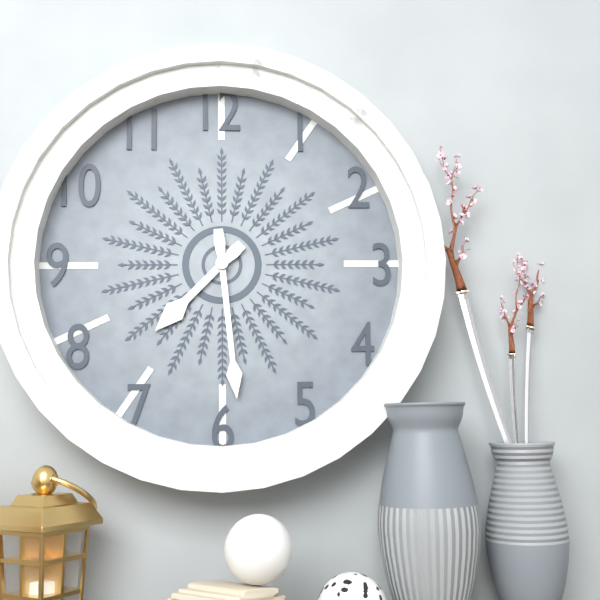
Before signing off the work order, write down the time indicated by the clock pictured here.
7:29
